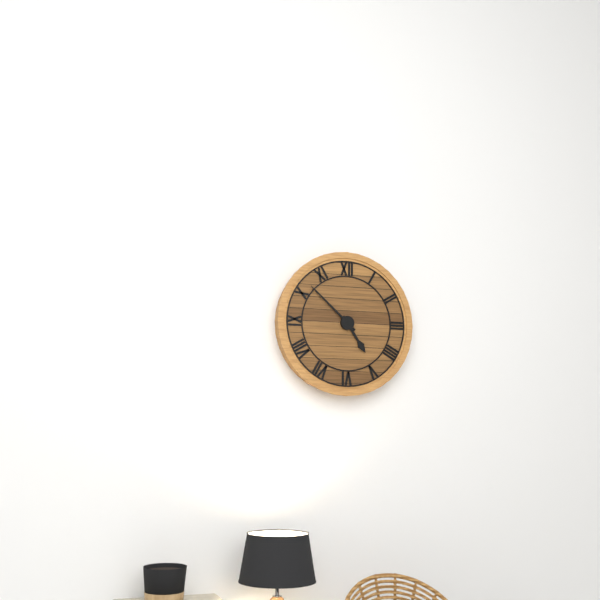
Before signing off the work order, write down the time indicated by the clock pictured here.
4:52
